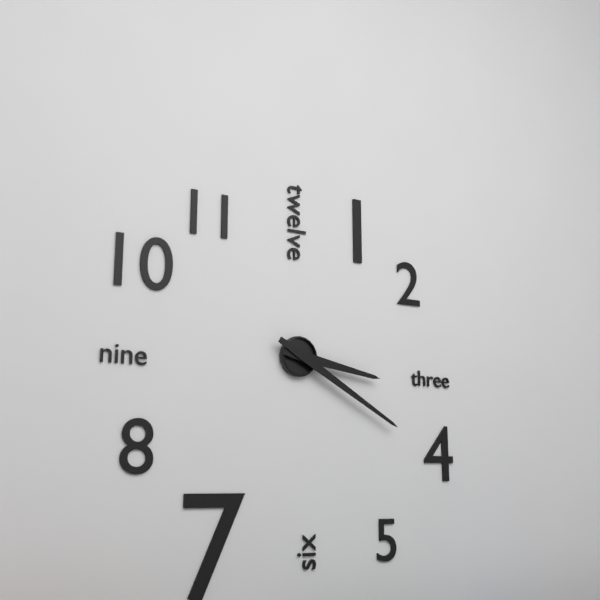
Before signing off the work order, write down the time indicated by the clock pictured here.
3:20
